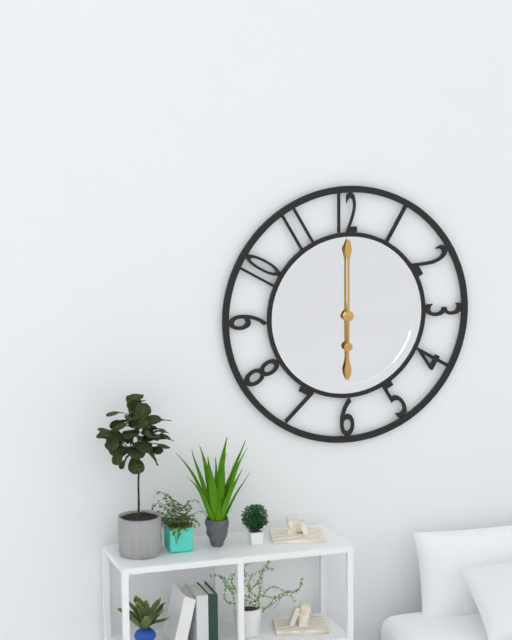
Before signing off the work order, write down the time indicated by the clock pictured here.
6:00
